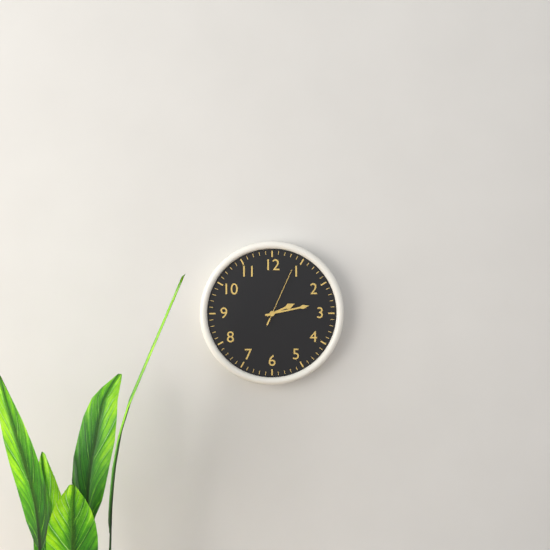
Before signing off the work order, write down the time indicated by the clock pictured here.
2:13:04
